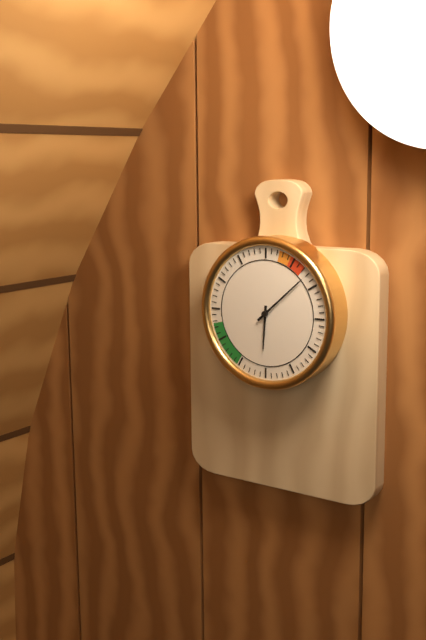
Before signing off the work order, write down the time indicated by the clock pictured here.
6:08
